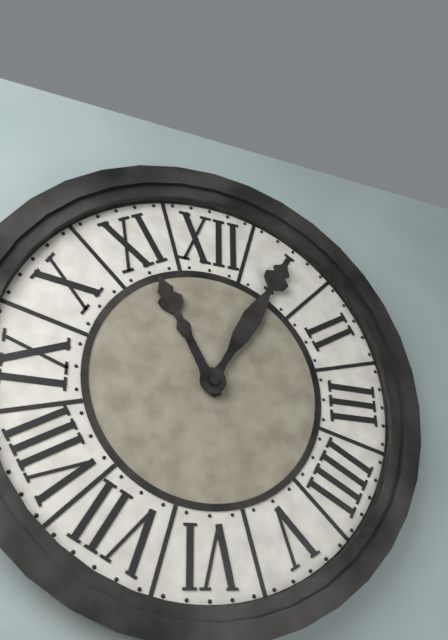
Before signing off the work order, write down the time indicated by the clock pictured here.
11:05
